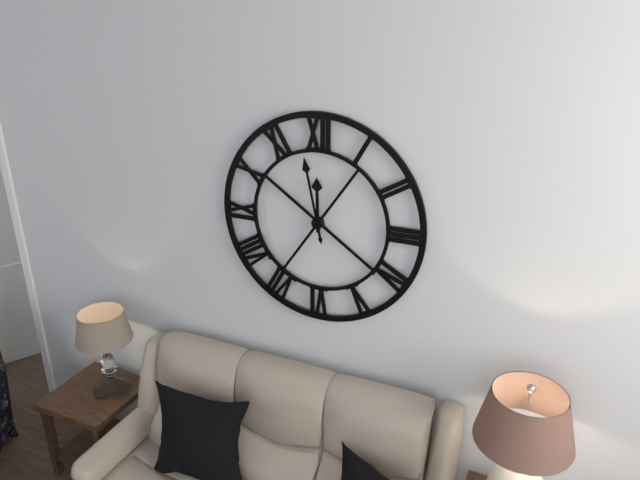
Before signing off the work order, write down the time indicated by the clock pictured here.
11:58
